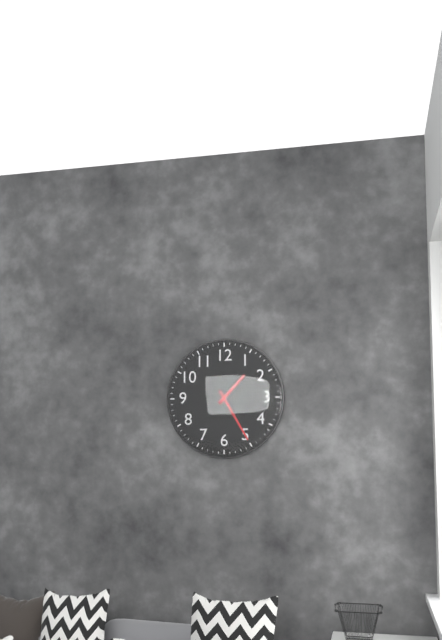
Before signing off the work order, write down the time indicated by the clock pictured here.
1:25
